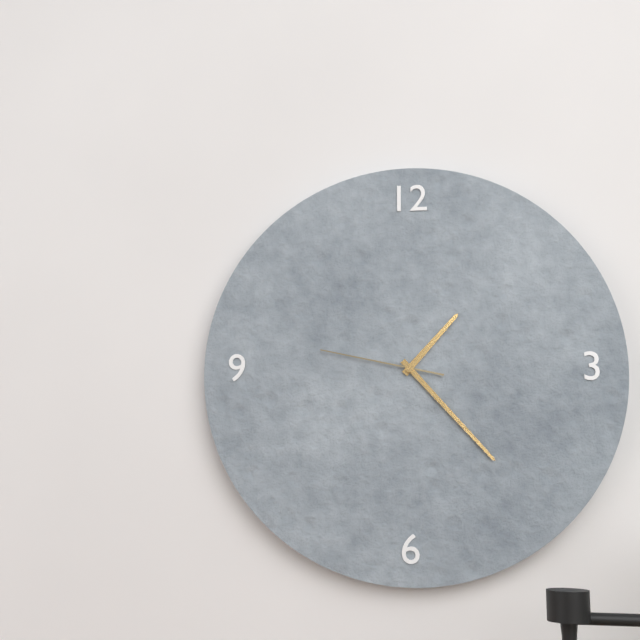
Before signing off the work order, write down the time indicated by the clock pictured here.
1:23:47
